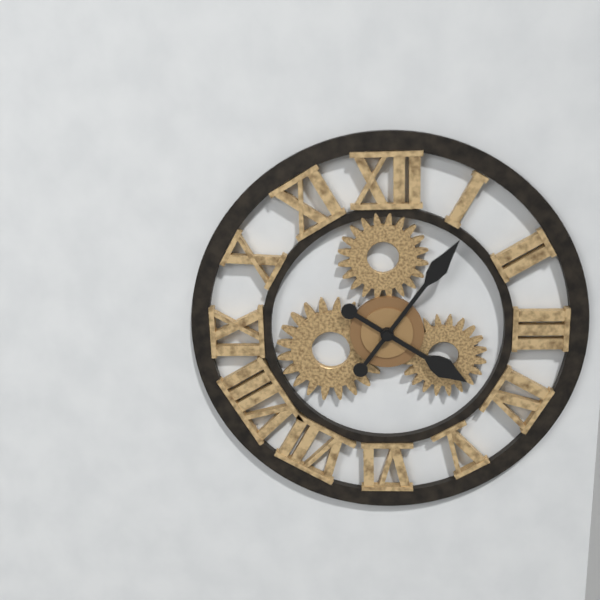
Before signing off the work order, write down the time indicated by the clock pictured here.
4:06
